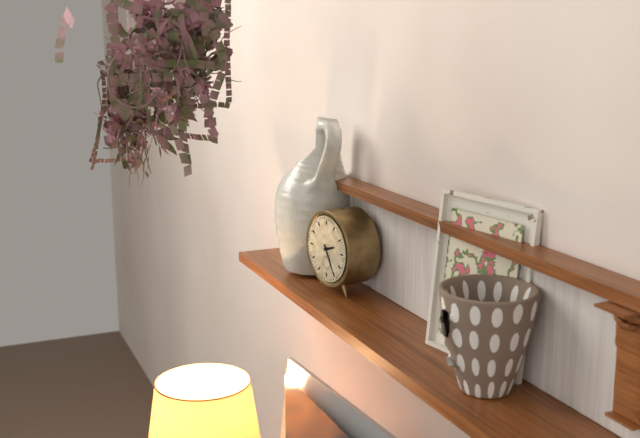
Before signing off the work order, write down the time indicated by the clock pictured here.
2:25
